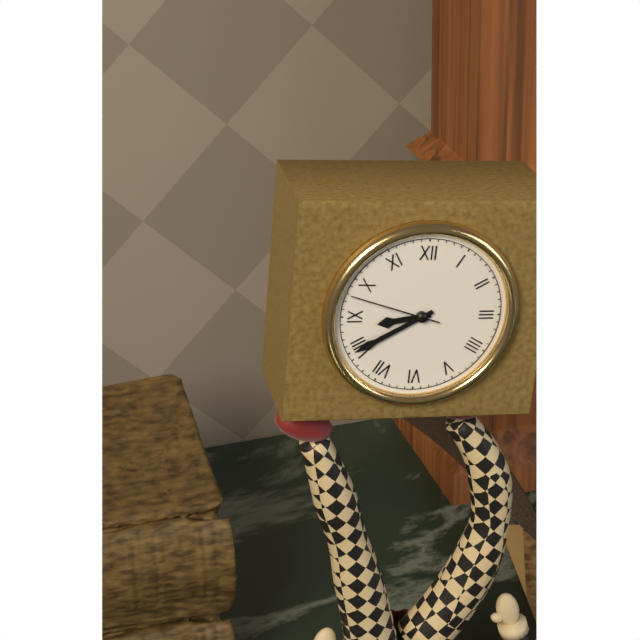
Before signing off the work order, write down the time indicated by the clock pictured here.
8:40:48
